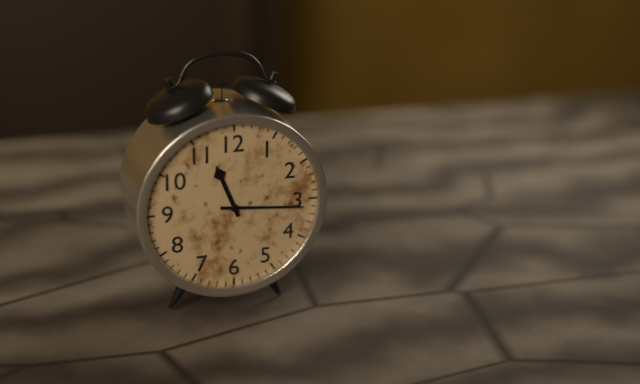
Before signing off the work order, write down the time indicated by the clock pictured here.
11:16
